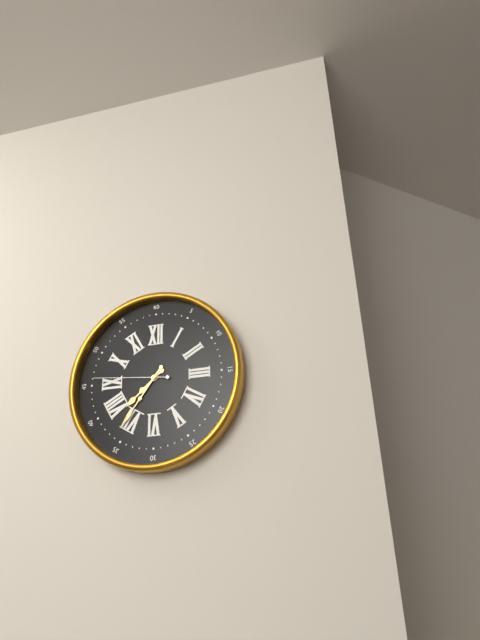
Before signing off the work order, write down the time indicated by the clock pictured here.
7:36:46
